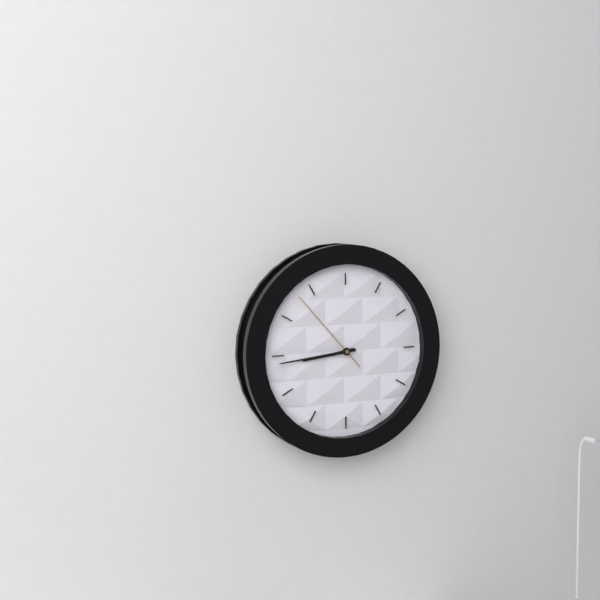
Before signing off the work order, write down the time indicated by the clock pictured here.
8:44:53
